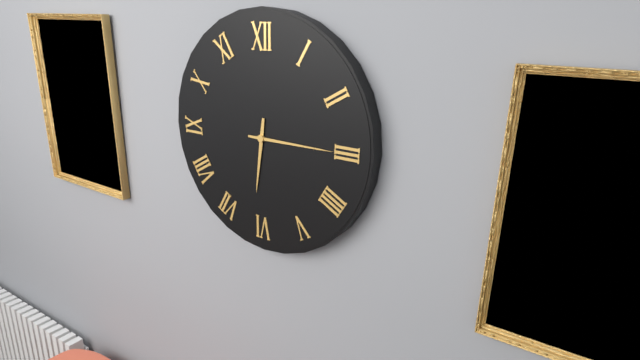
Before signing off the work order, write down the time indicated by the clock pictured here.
6:15
